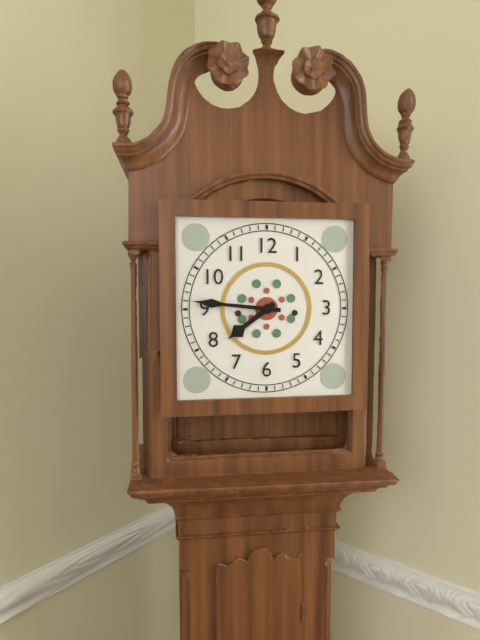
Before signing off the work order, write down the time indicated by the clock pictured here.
7:46
